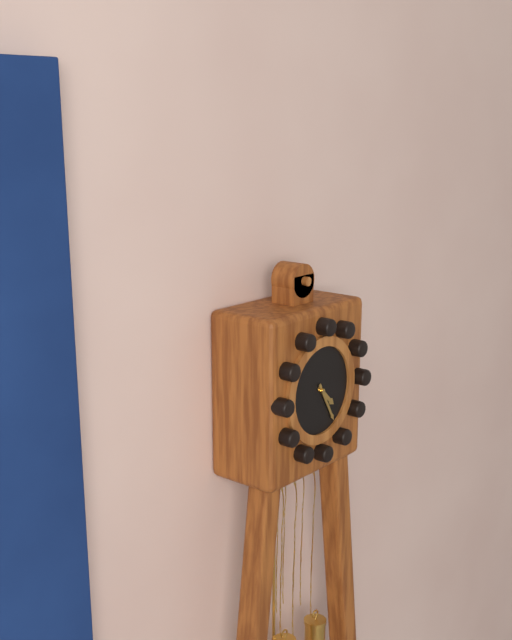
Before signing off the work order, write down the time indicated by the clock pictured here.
4:25
